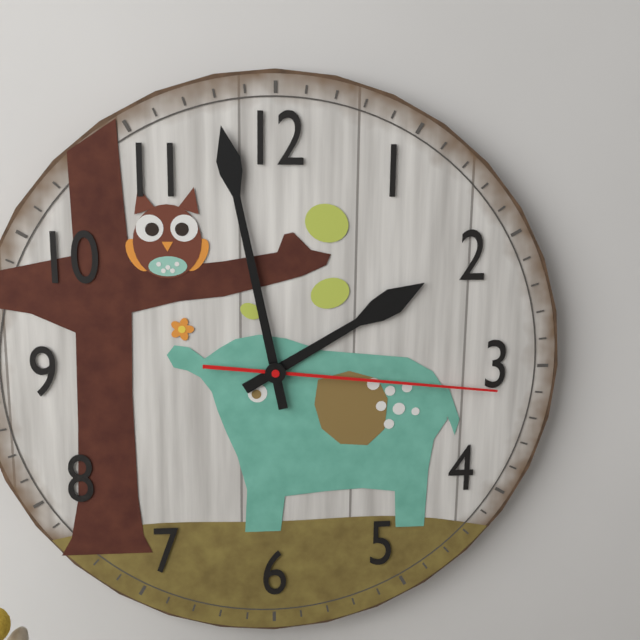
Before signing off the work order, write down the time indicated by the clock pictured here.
1:58:16
